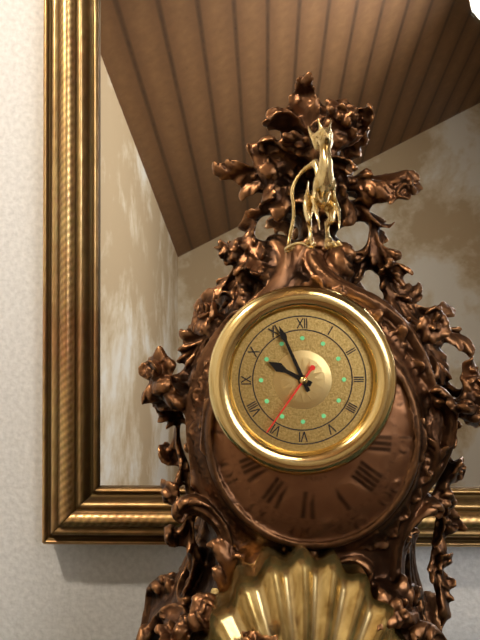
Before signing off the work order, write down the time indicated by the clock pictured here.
9:56:36
